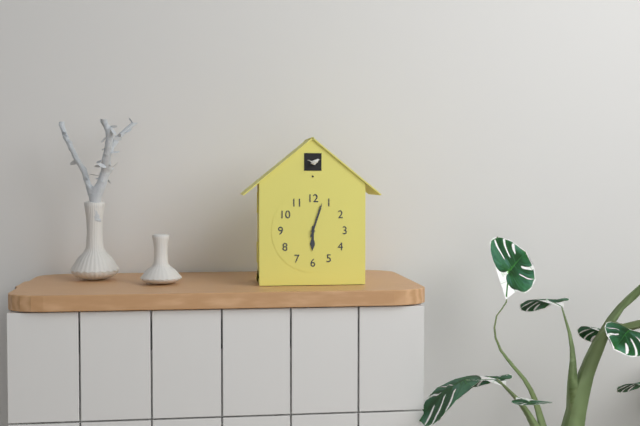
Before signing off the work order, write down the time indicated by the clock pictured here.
6:03
